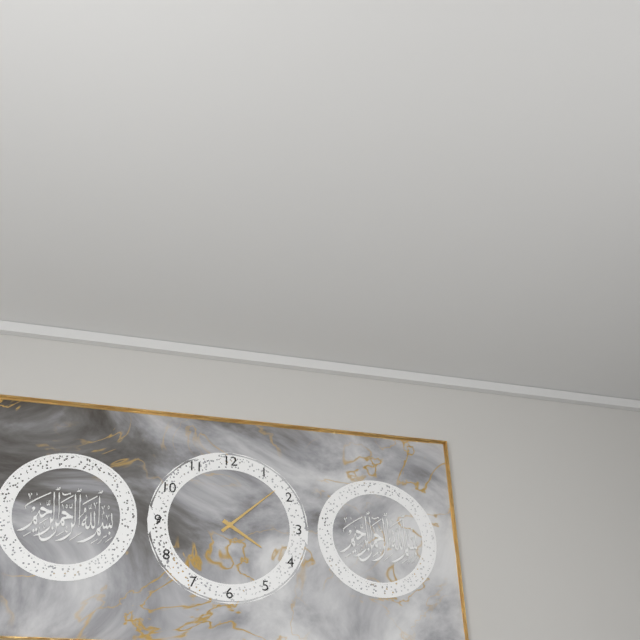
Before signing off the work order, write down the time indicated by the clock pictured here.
4:08
